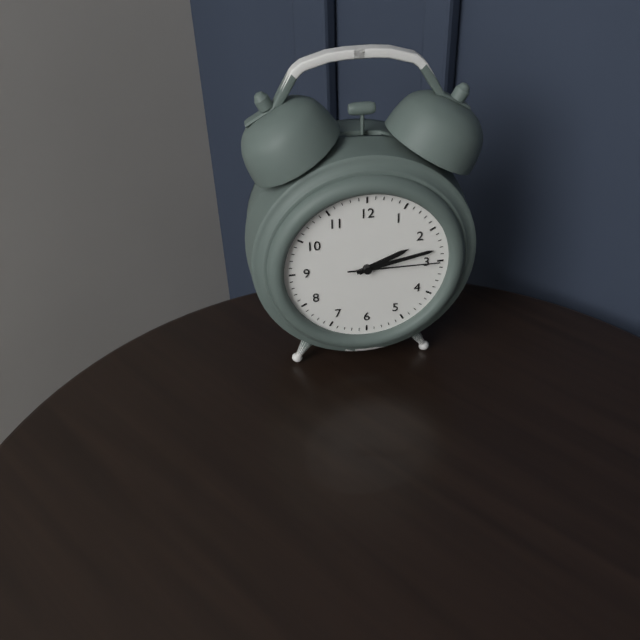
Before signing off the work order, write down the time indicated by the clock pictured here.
2:13:15
